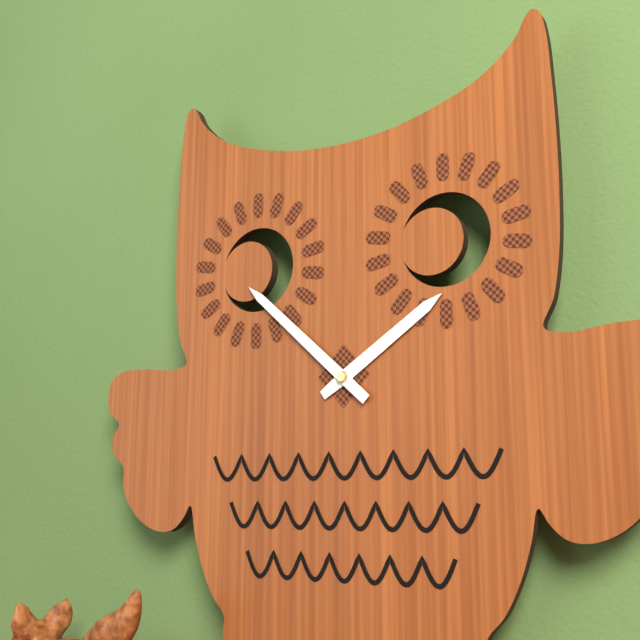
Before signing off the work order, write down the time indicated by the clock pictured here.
1:52
